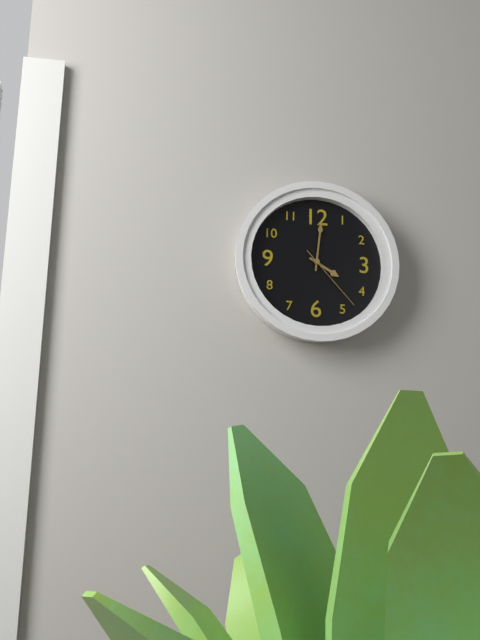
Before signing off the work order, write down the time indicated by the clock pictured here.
4:01:23
